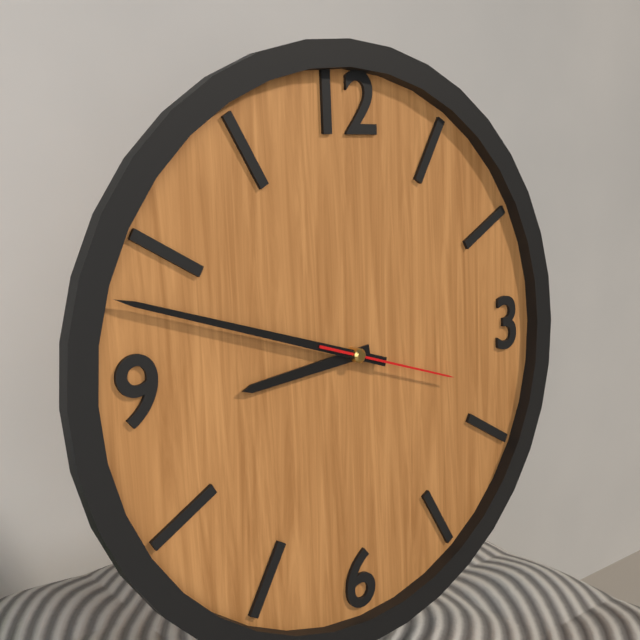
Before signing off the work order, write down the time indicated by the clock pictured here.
8:48:18
